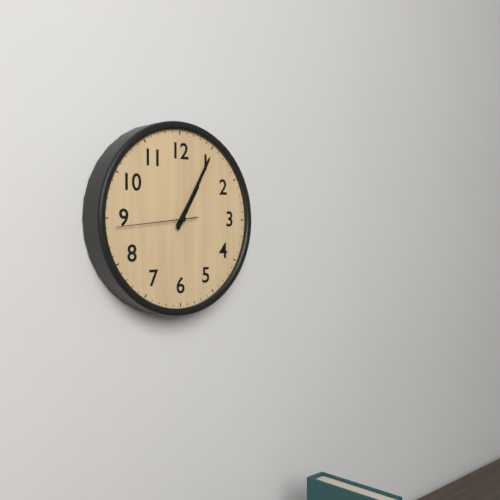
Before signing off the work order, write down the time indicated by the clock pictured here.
1:05:44
